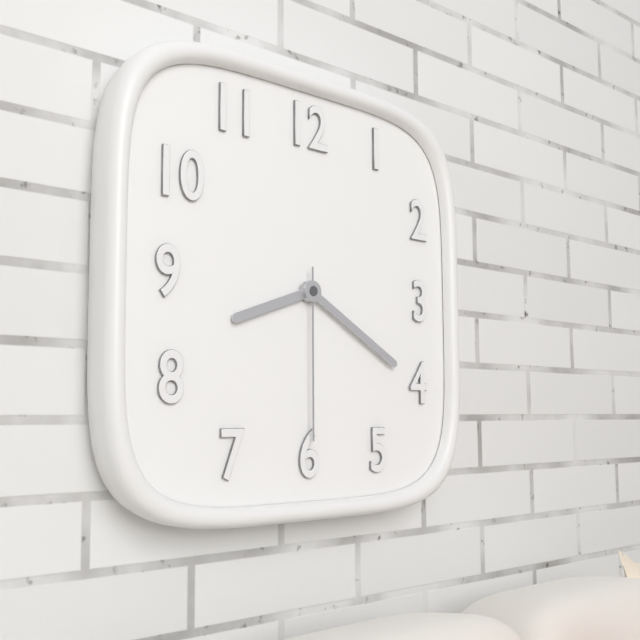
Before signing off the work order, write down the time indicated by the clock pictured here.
8:20:30
